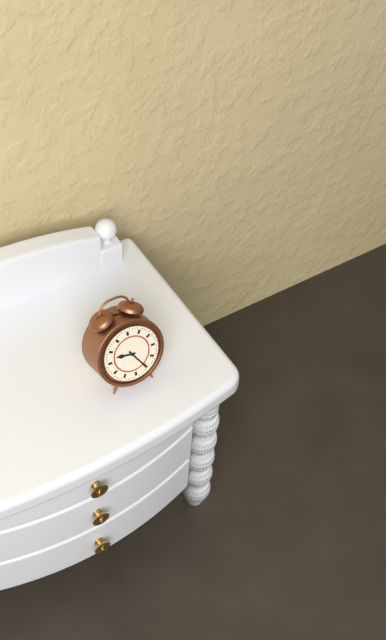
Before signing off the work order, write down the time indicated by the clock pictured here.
9:25
